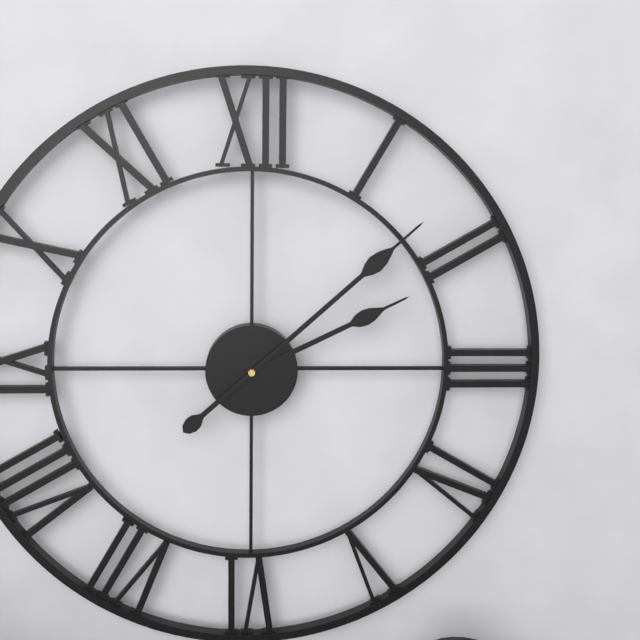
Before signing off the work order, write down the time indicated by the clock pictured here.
2:08
